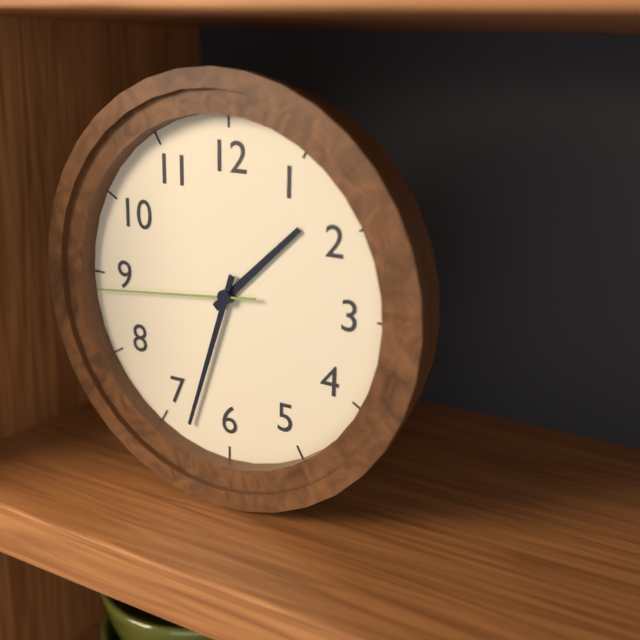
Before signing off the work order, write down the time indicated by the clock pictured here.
1:33:44
